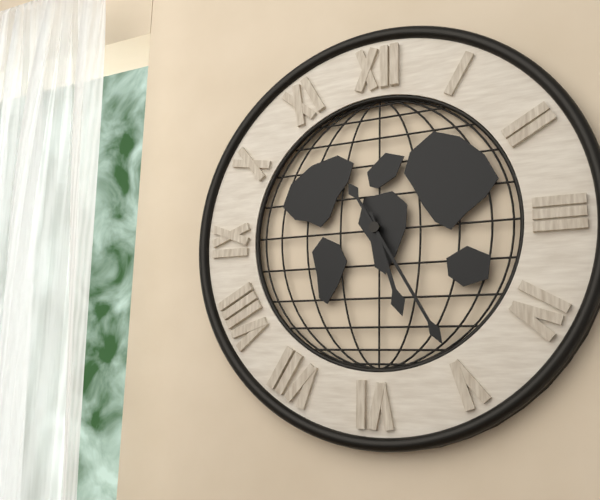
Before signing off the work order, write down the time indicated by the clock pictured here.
5:25
